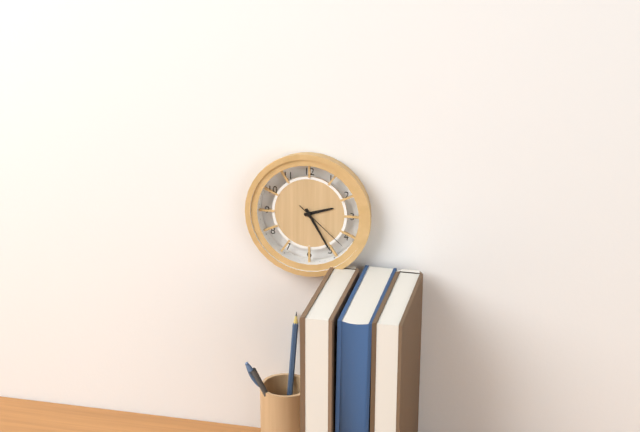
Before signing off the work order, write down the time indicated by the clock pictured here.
2:25:22
